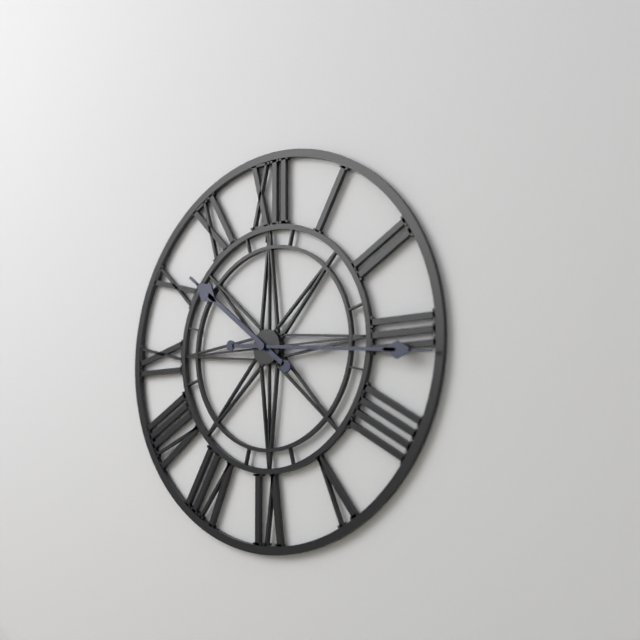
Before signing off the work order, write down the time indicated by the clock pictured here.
10:16
